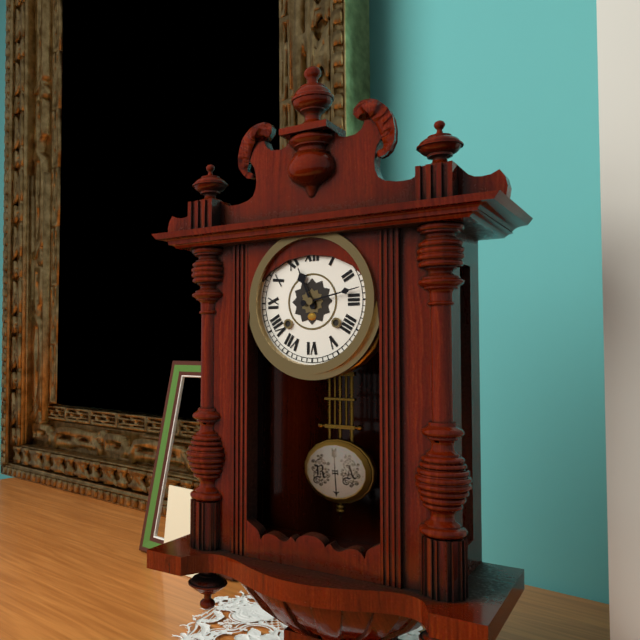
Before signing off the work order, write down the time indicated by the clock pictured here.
11:13
